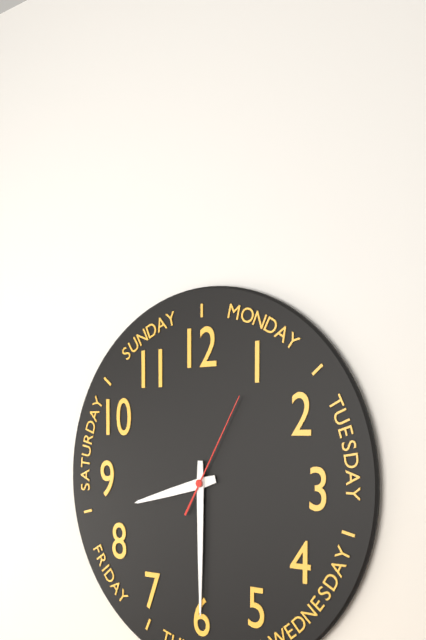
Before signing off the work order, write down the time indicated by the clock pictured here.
8:30:05
